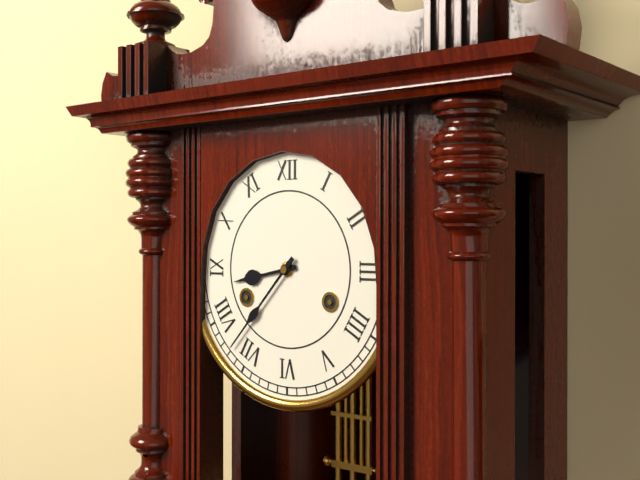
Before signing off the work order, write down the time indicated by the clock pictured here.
8:37
